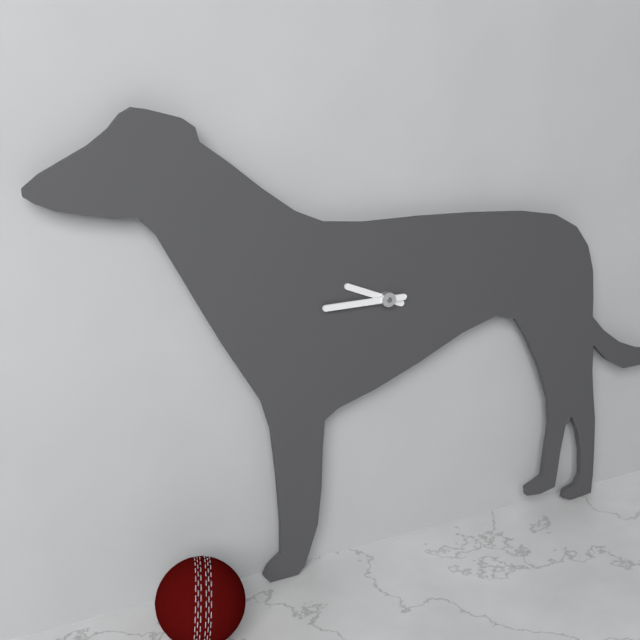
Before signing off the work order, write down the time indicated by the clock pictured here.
9:45
